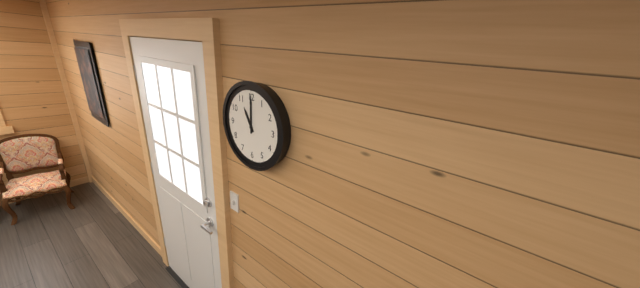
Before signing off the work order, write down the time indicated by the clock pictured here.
11:00
